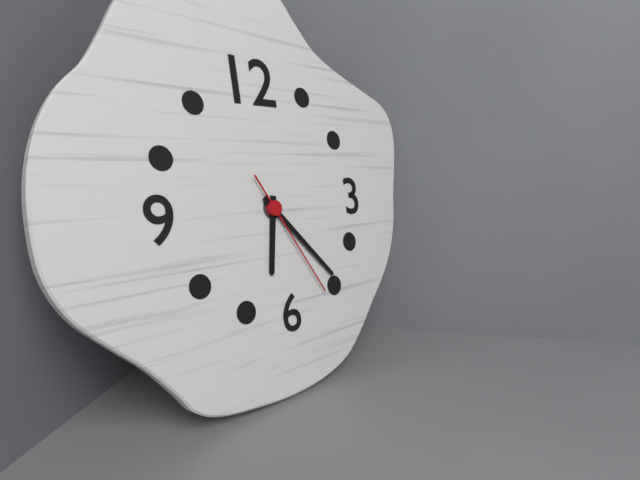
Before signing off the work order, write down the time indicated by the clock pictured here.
6:23:25
